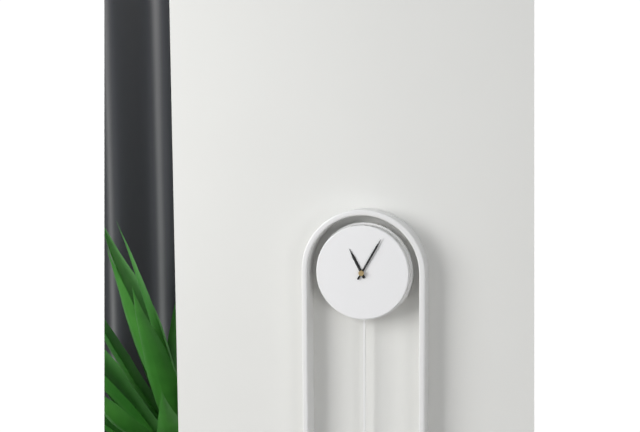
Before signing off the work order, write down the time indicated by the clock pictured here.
11:05
